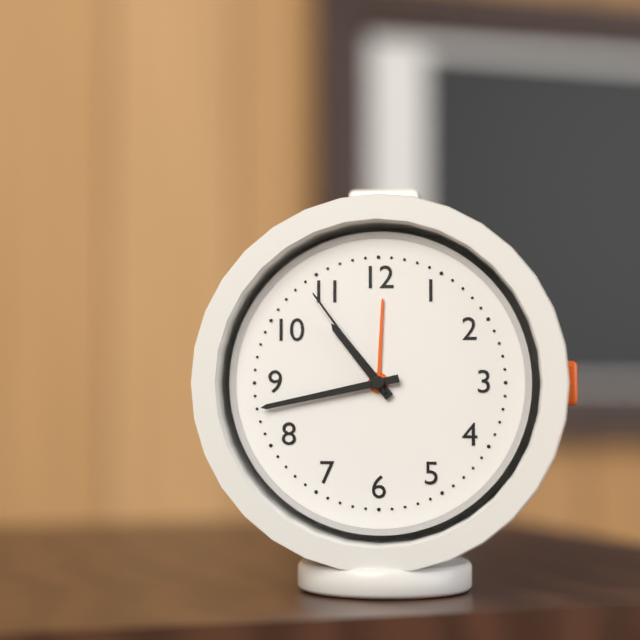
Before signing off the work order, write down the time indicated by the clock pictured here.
10:43:54
